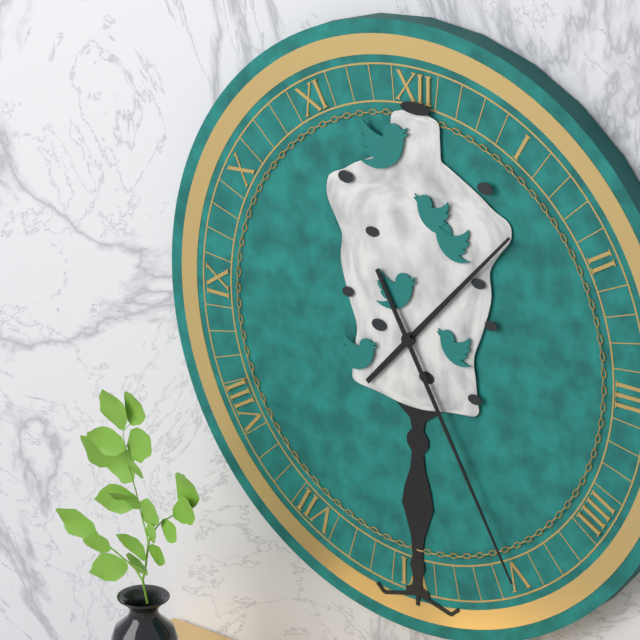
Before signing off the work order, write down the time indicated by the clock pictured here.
1:25
